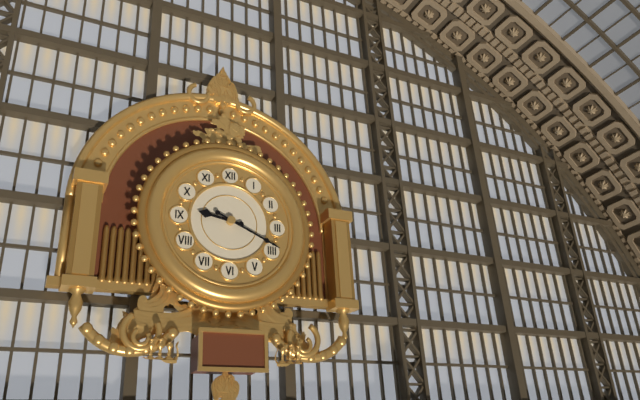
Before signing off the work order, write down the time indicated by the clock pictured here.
9:19
